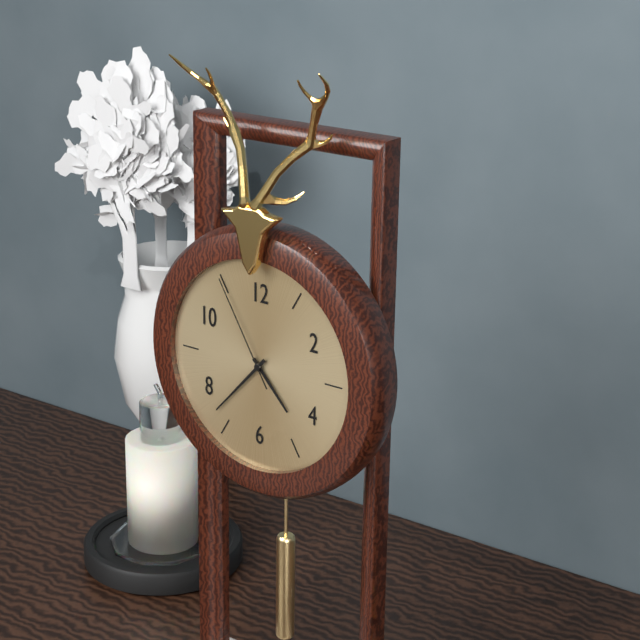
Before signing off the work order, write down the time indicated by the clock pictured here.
4:37:55
